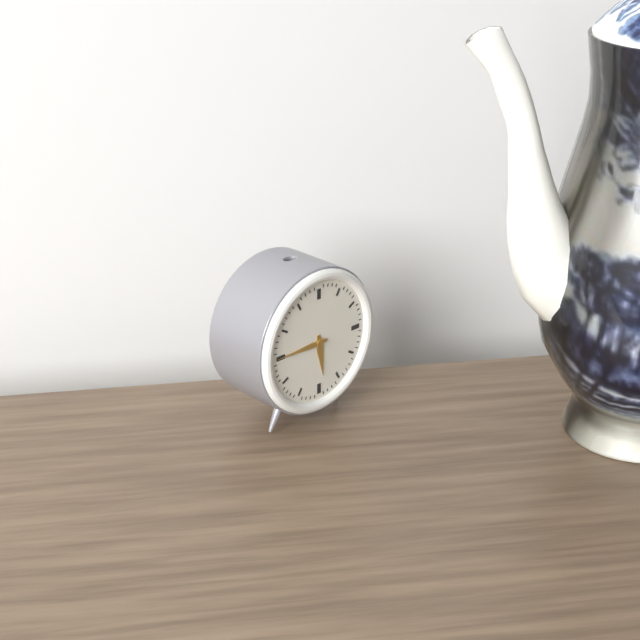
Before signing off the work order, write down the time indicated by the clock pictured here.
5:45
